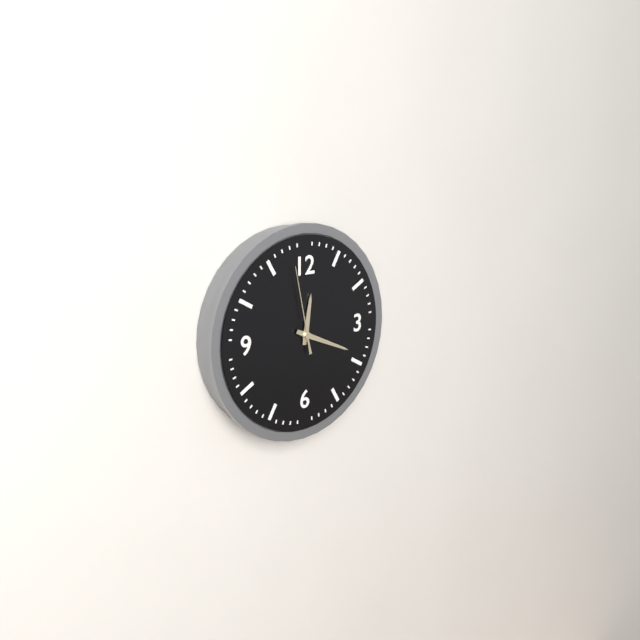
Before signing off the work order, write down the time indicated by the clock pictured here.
12:19:58
